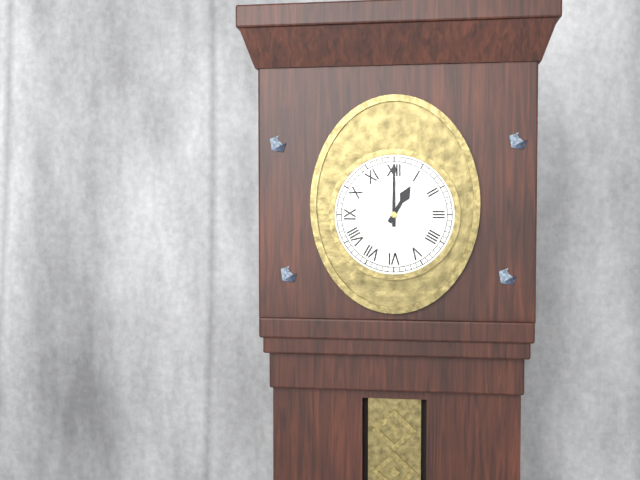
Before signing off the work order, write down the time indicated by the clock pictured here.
1:00
